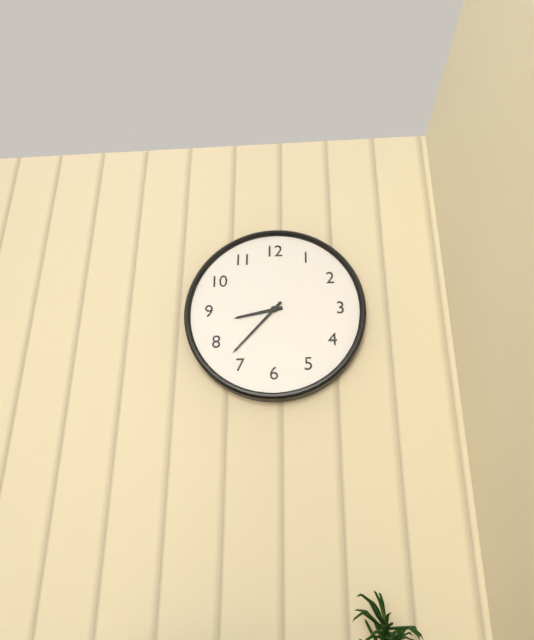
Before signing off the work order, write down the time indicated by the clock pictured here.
8:37
